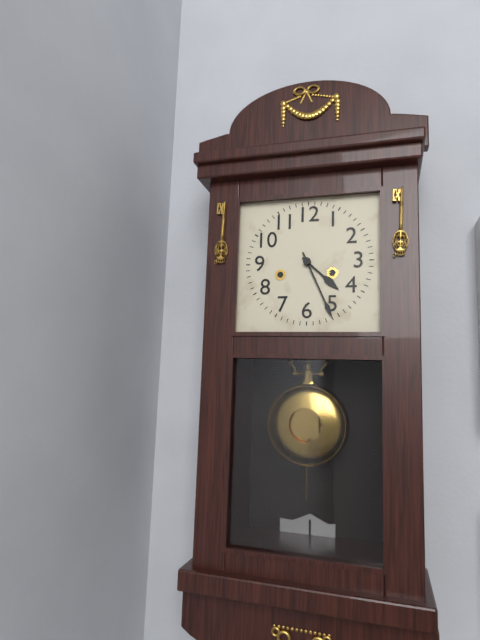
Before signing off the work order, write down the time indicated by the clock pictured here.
4:26
